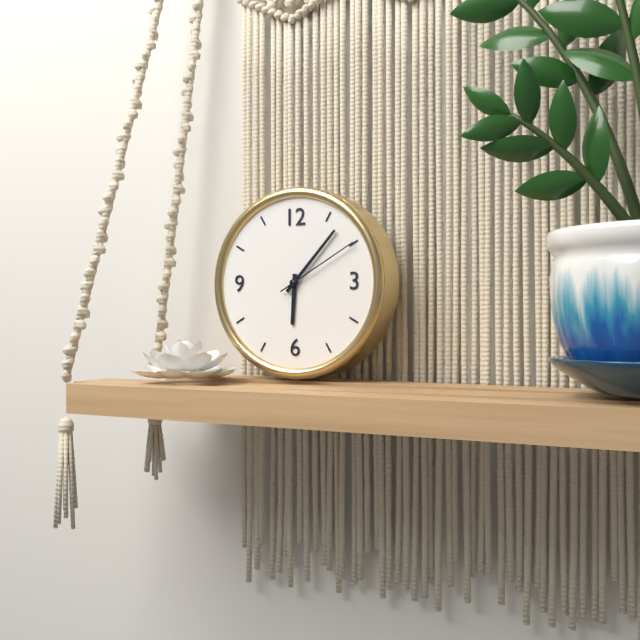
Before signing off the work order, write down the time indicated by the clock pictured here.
6:07:10
